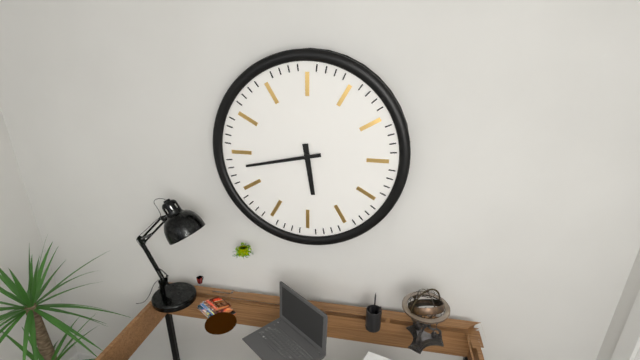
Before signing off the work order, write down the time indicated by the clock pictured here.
5:43
